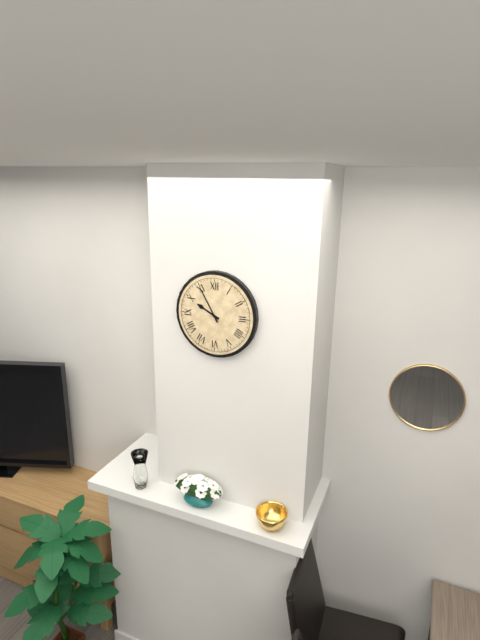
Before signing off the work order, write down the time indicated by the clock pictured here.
9:55
